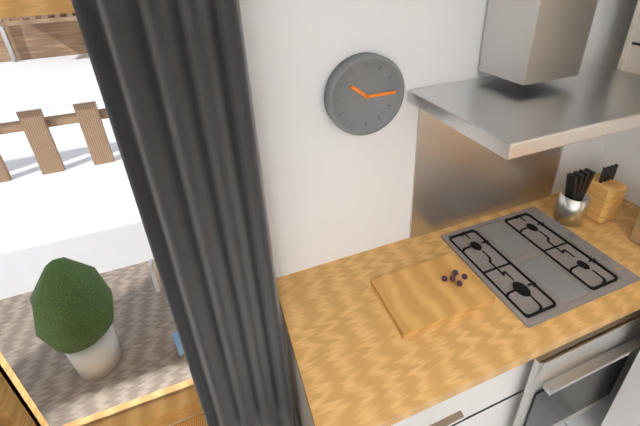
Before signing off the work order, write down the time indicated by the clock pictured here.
10:15
